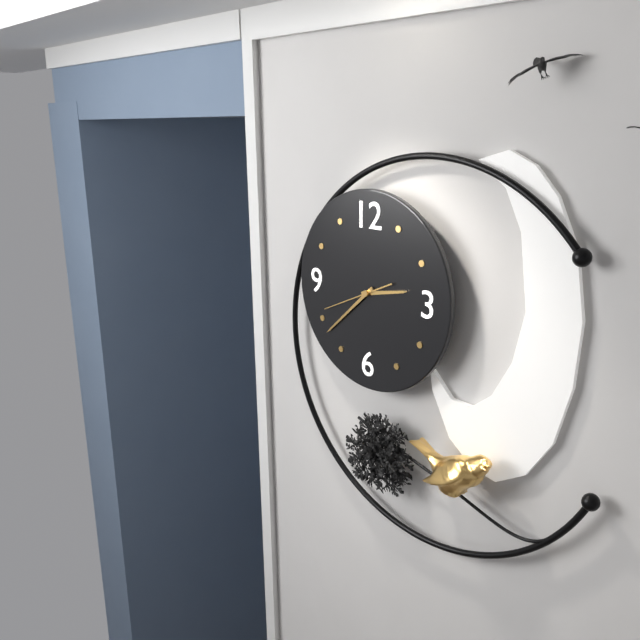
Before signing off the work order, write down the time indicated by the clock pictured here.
2:38:41
